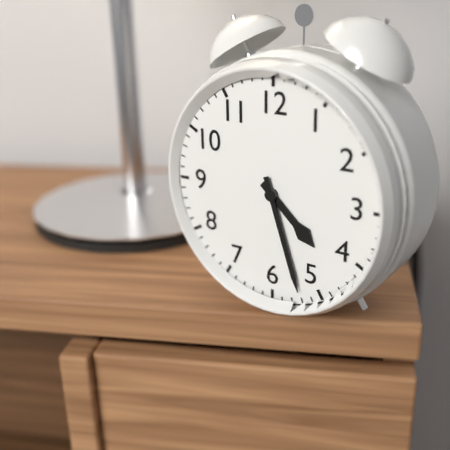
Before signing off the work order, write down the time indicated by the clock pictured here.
4:27
